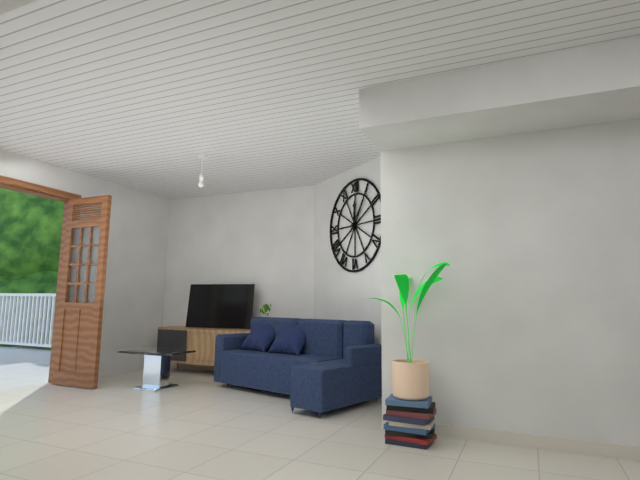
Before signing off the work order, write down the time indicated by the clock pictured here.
12:06
